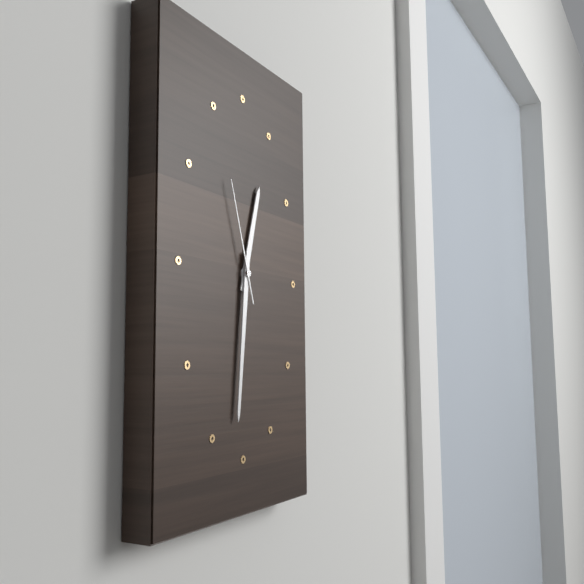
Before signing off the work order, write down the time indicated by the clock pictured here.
12:31:57
